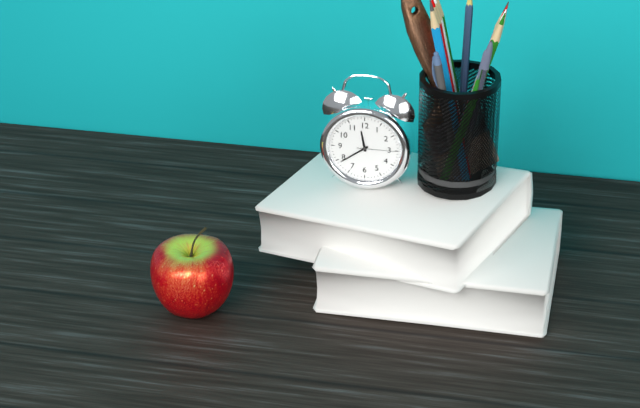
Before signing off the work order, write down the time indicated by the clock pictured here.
11:39
